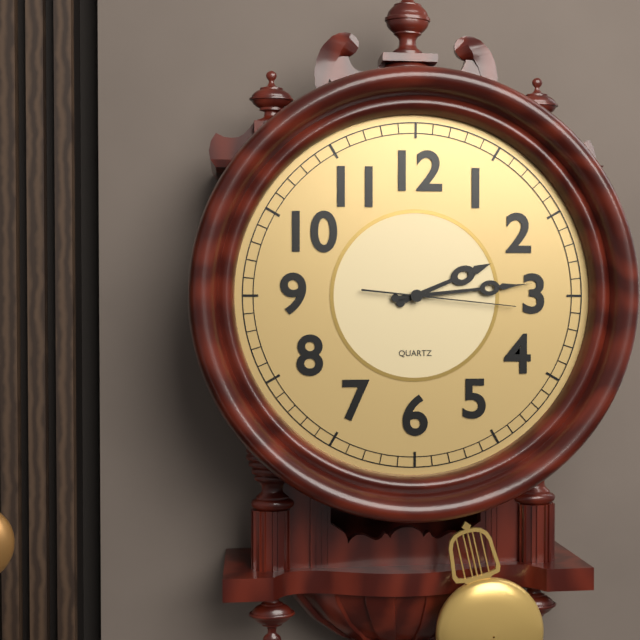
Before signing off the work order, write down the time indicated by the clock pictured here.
2:14:16
